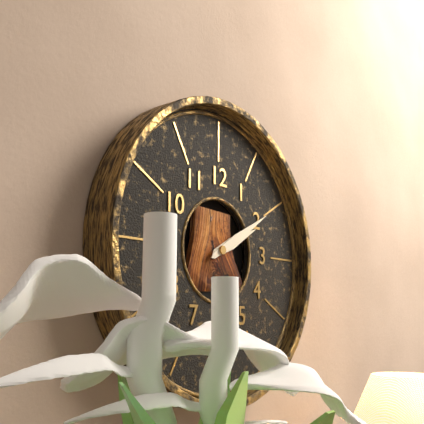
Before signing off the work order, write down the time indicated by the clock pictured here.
2:10
